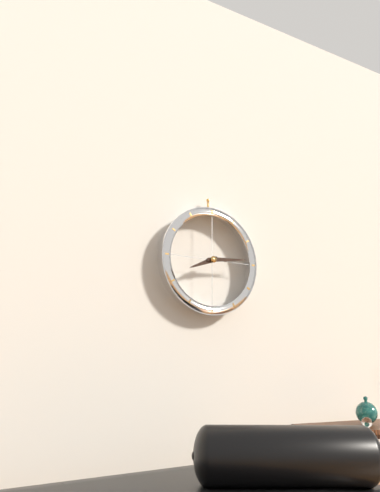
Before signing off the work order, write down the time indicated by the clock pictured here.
8:14
